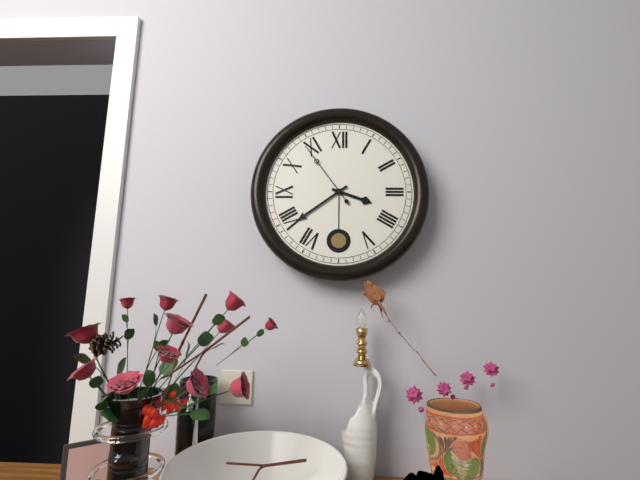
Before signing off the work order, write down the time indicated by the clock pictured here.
3:39:54
